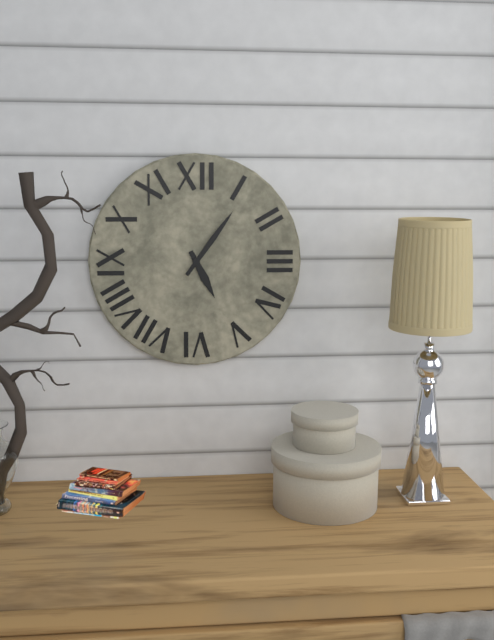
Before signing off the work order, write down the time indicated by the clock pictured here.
5:06
